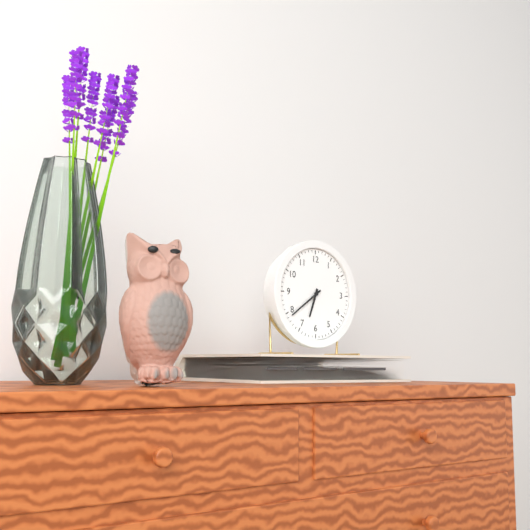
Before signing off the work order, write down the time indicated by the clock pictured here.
6:39
